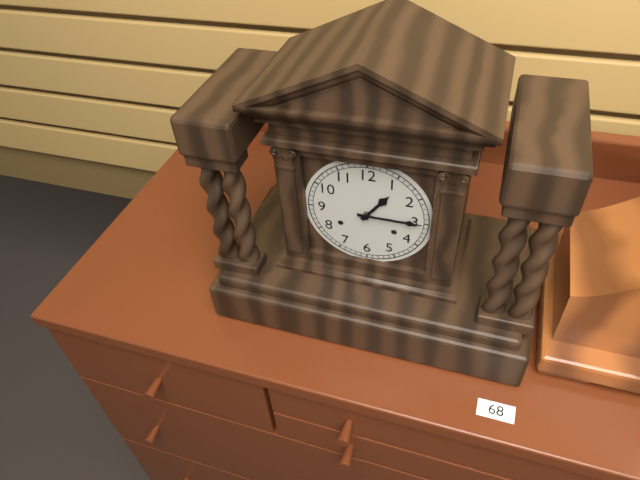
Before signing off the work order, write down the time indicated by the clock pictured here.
1:15
